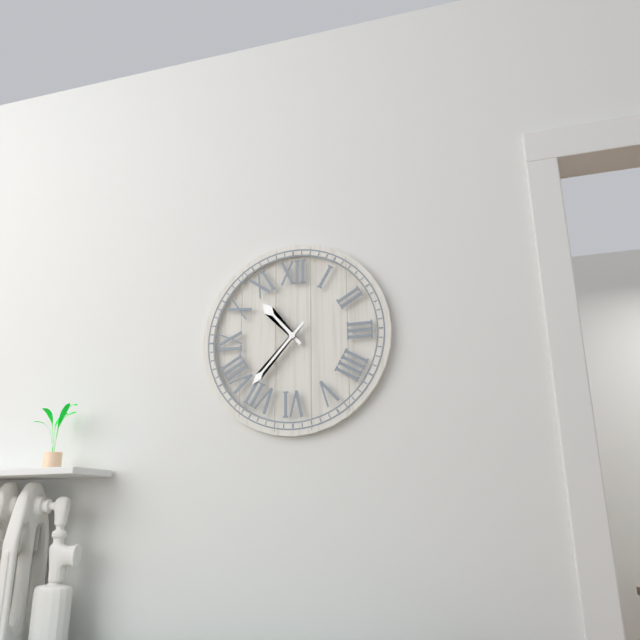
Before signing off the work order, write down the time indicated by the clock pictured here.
10:37
